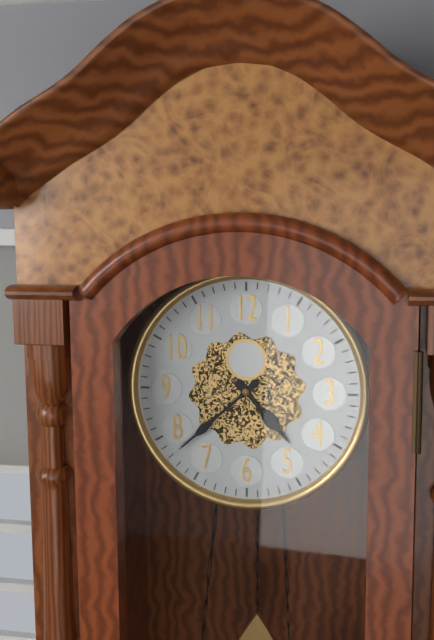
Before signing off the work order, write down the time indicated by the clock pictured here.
4:38
